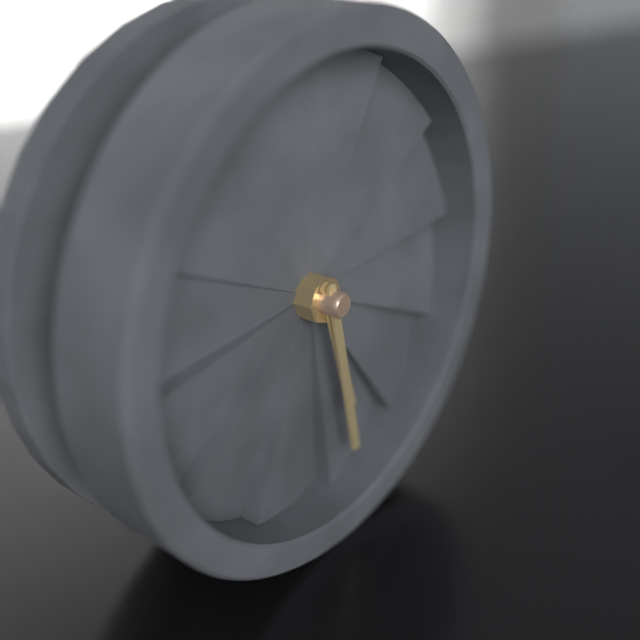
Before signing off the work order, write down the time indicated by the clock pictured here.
5:28
